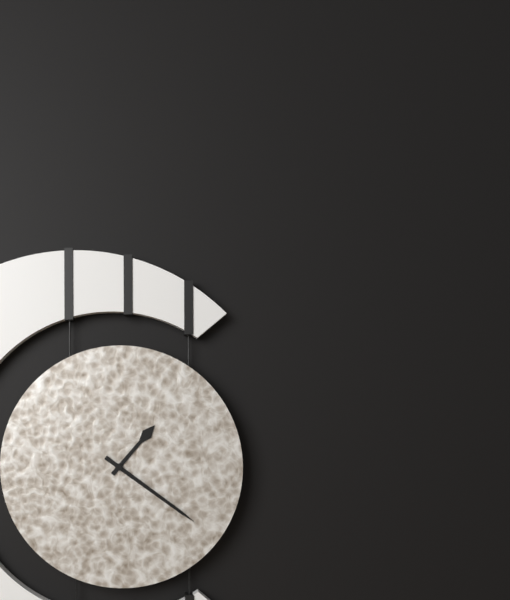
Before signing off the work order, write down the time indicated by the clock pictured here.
1:21
